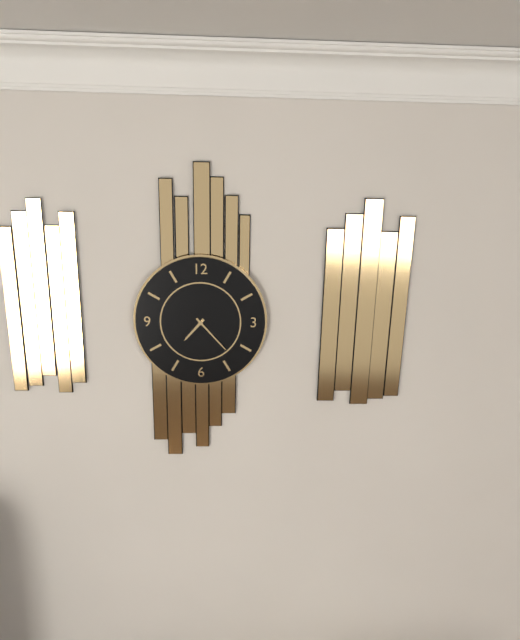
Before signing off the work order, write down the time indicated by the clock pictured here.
7:23
